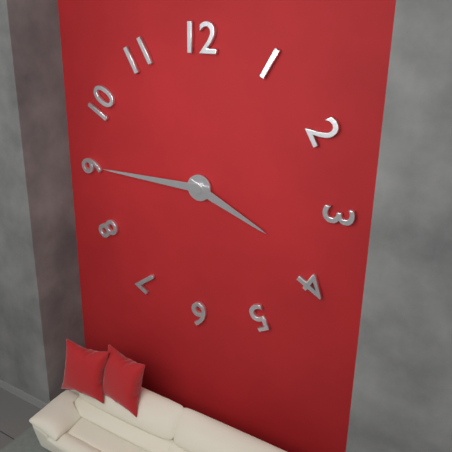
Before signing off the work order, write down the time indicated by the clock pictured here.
3:45
